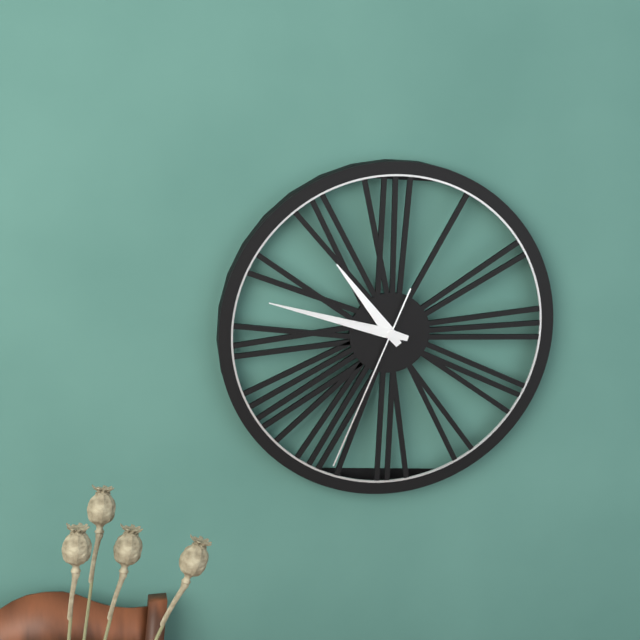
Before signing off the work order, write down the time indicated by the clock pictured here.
10:48:34
